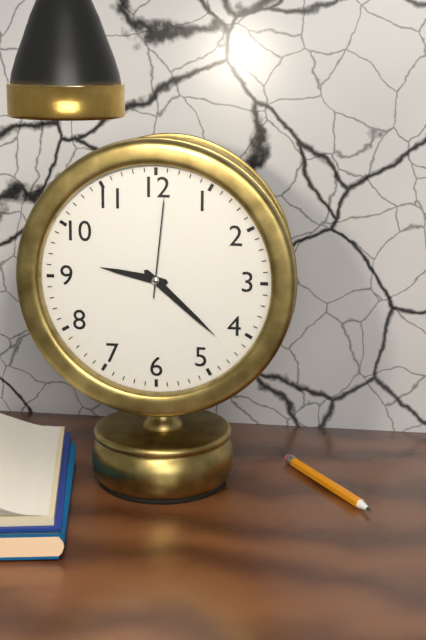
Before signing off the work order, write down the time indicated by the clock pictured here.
9:22:01
